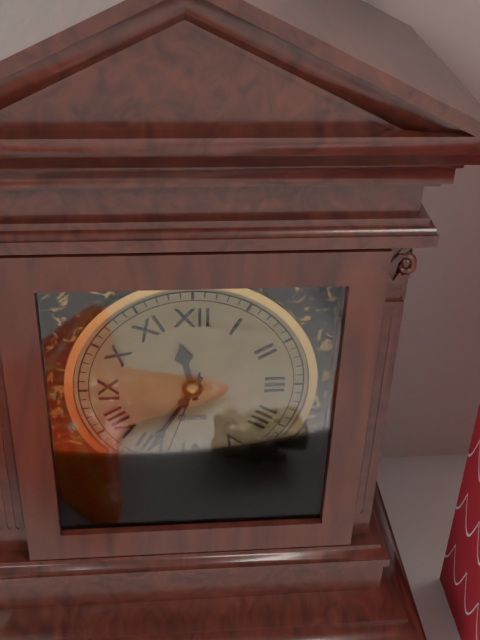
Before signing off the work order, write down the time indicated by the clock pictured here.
11:35:33
